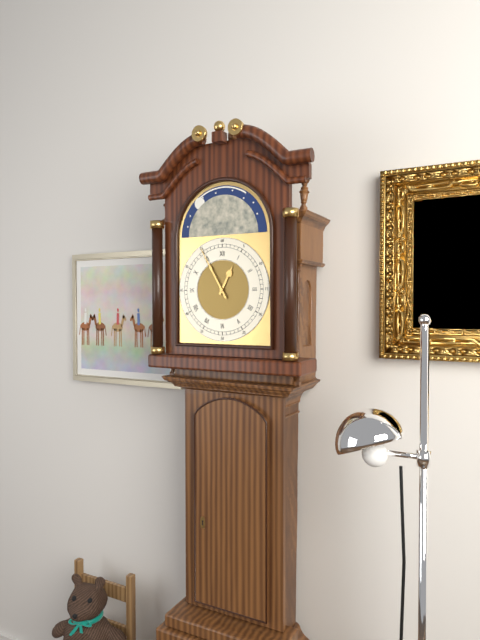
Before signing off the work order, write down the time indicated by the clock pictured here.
12:55
